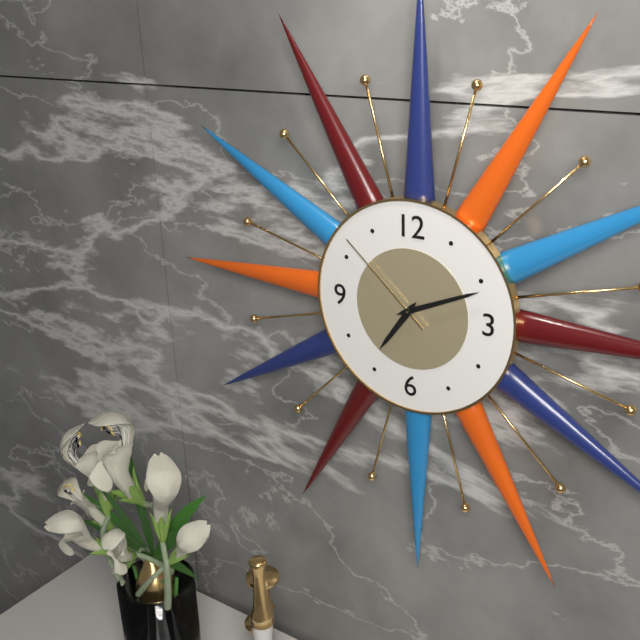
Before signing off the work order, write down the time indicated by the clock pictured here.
7:11:52
